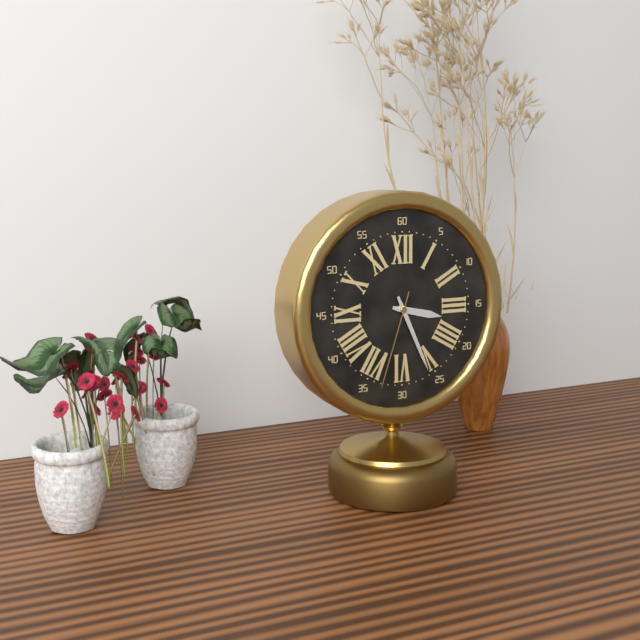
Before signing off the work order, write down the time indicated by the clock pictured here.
3:26:33
